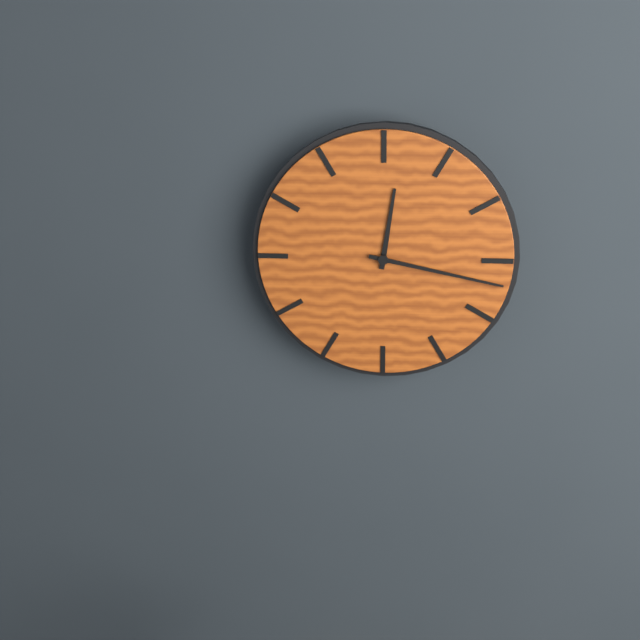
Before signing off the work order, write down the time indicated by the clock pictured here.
12:17
